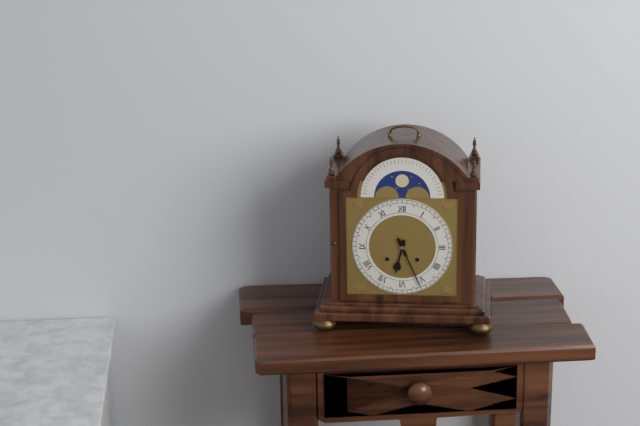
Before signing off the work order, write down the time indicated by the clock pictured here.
6:26
